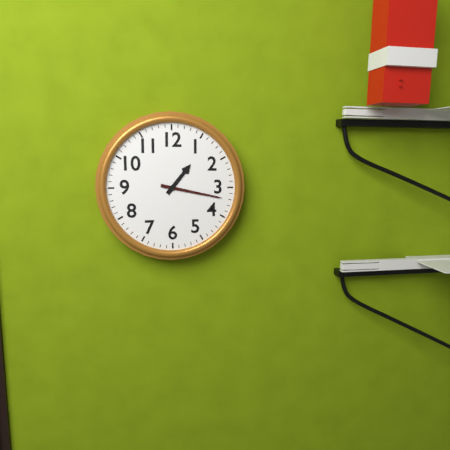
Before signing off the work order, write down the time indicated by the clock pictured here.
1:17
